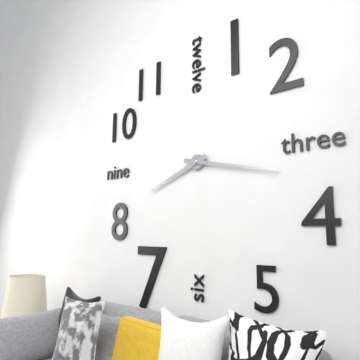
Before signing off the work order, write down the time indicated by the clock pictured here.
8:17
